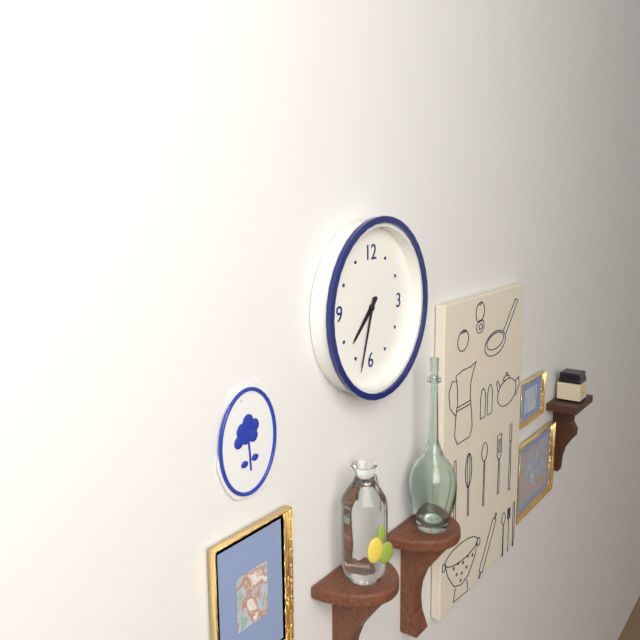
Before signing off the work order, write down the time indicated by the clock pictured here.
7:33
